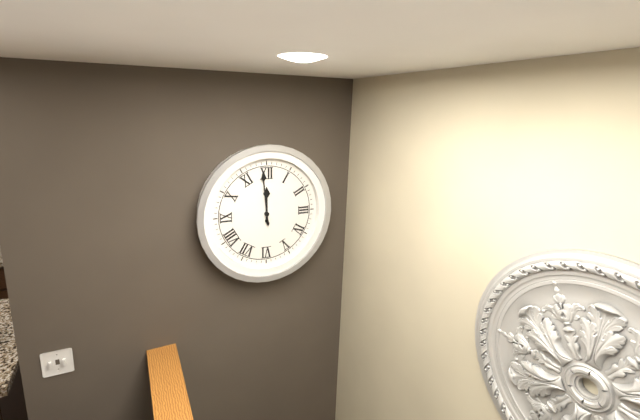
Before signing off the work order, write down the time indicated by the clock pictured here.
11:59
